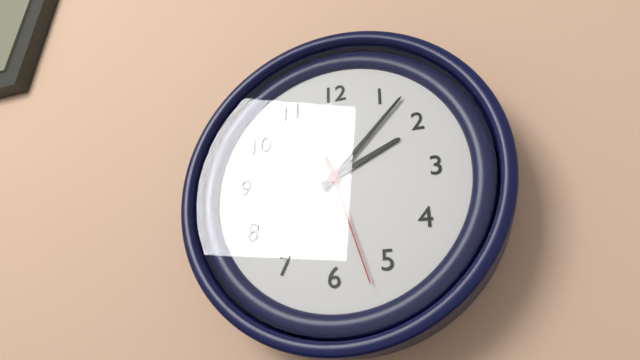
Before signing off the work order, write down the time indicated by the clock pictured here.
2:07:27
